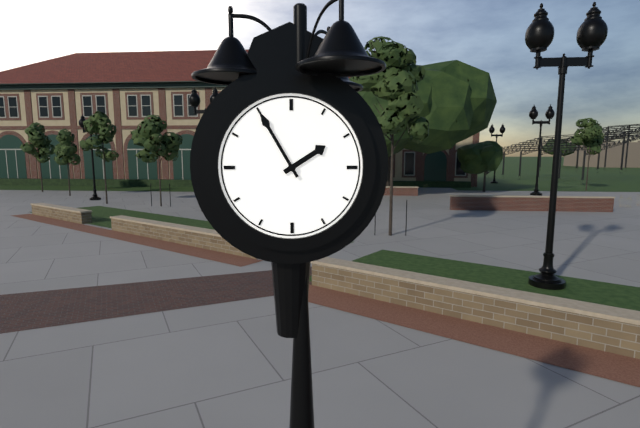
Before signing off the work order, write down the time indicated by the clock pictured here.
1:55
